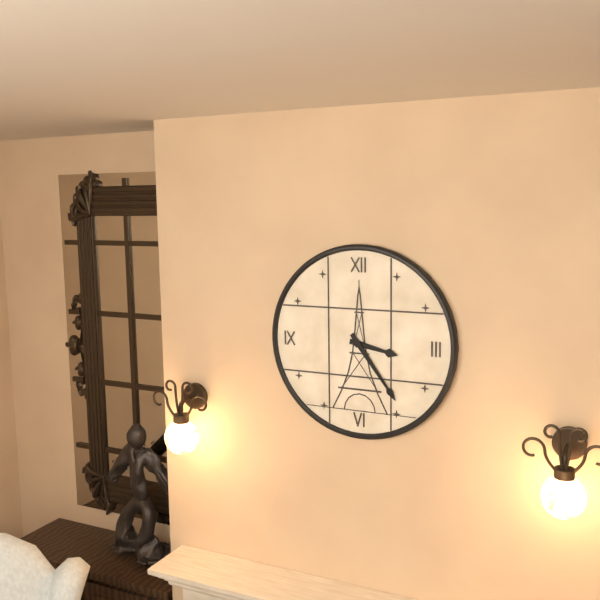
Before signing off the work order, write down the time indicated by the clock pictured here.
3:24
